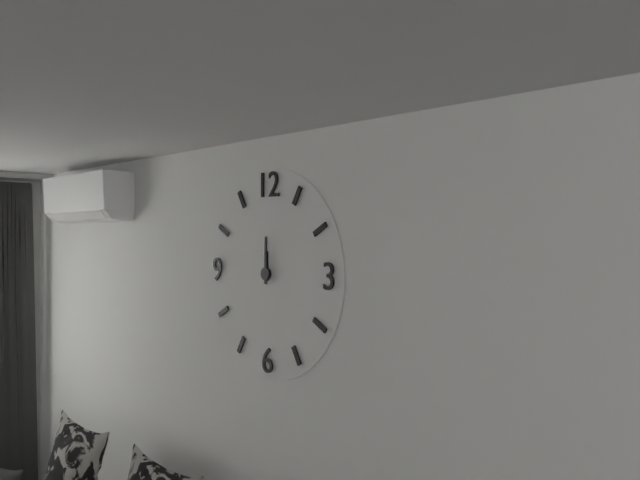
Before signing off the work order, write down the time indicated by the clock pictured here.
12:00
